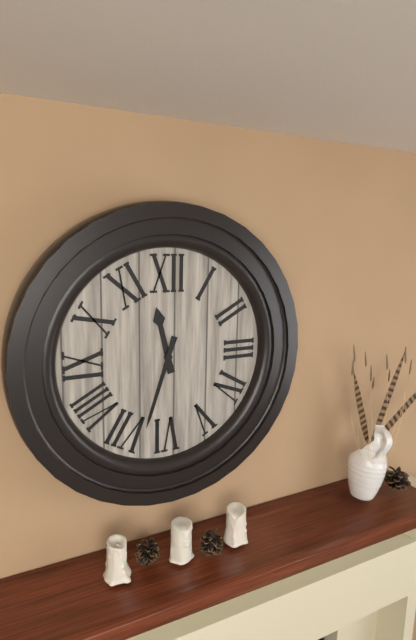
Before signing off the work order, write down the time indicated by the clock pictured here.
11:33
